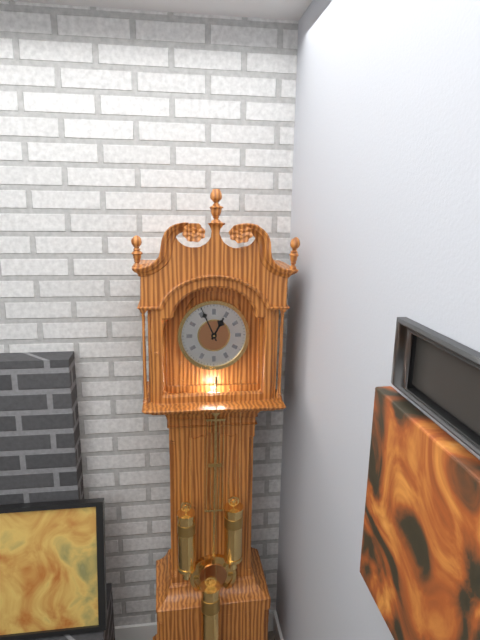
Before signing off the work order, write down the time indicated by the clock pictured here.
12:56
